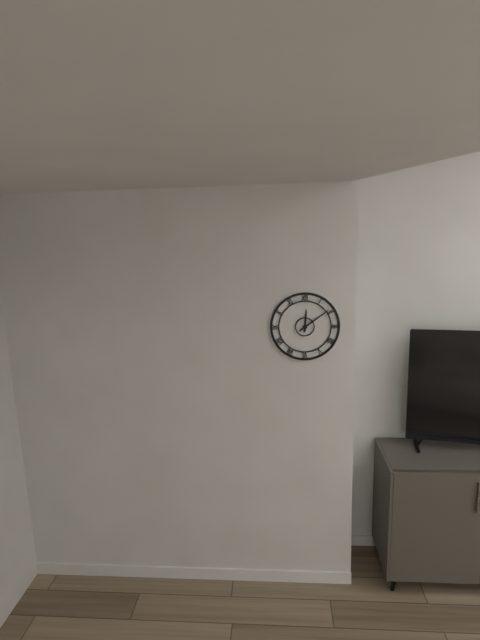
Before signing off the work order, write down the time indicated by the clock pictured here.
12:09
